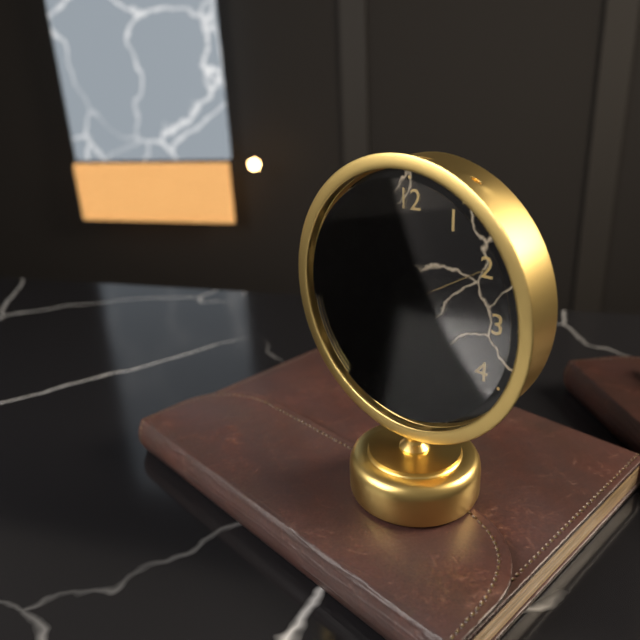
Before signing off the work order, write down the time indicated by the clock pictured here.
4:23:10
